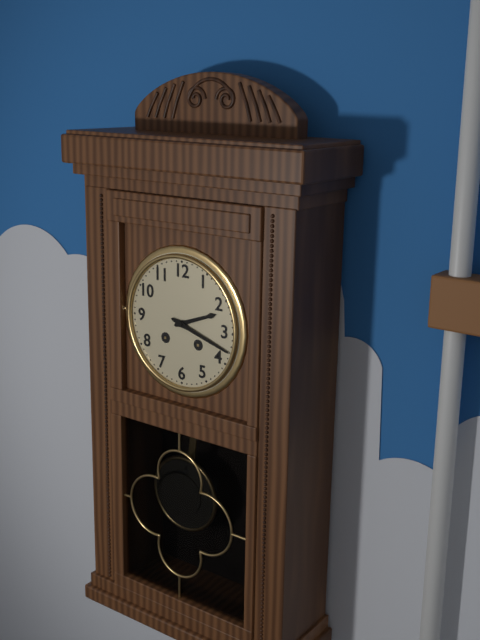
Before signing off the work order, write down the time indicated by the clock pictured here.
2:18
